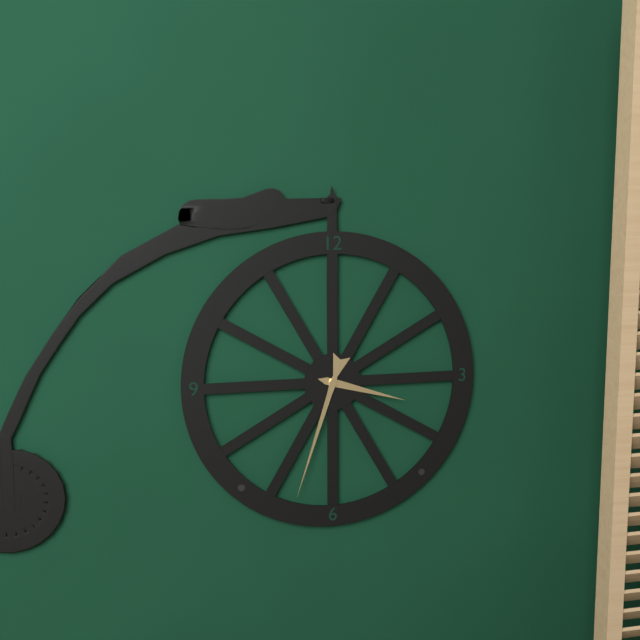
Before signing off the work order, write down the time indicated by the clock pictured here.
3:33
